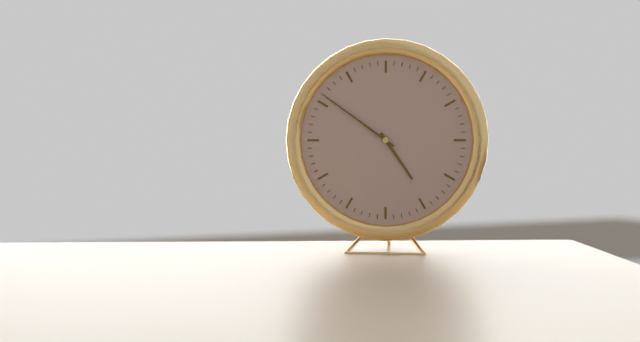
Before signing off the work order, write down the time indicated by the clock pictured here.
4:51
